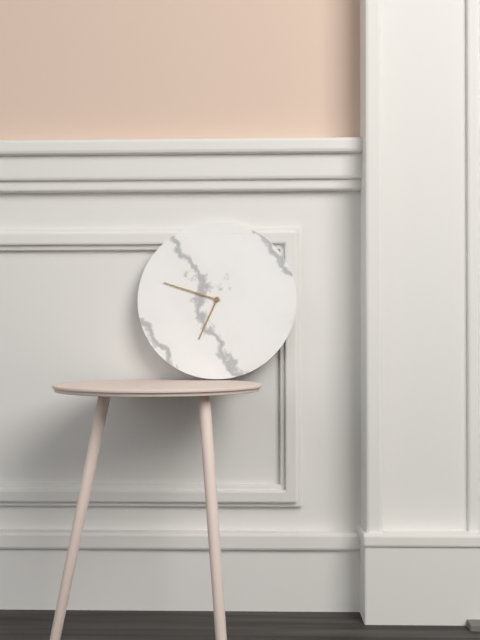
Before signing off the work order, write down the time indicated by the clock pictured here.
6:48
